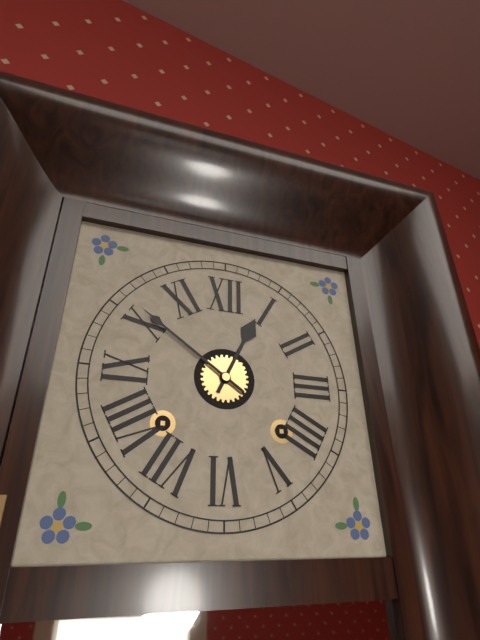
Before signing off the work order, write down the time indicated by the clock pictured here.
12:51
